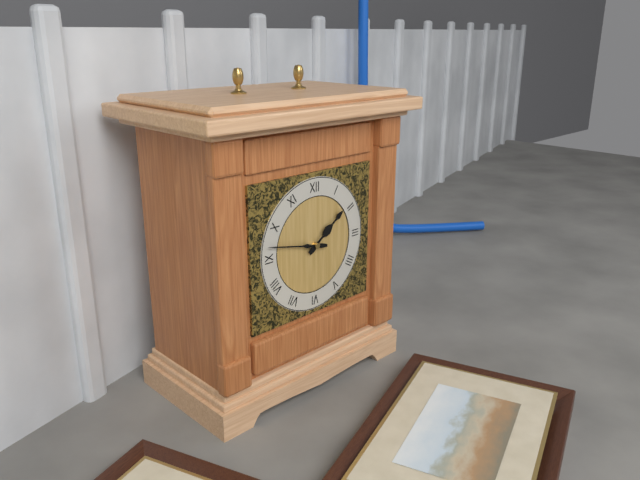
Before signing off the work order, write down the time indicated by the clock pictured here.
1:47
